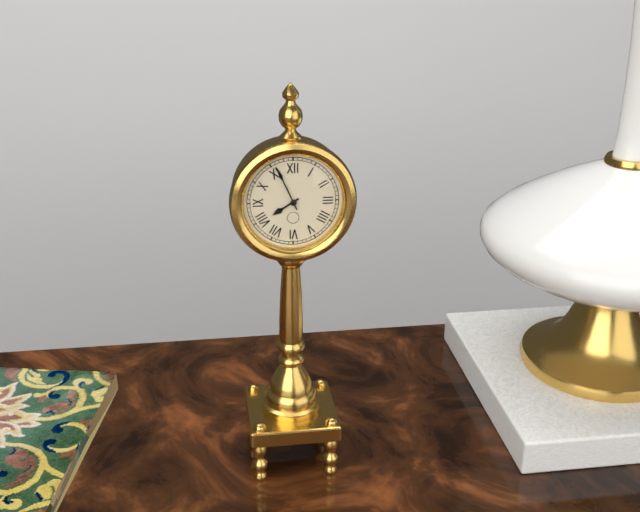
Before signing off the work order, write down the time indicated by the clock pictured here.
7:56
